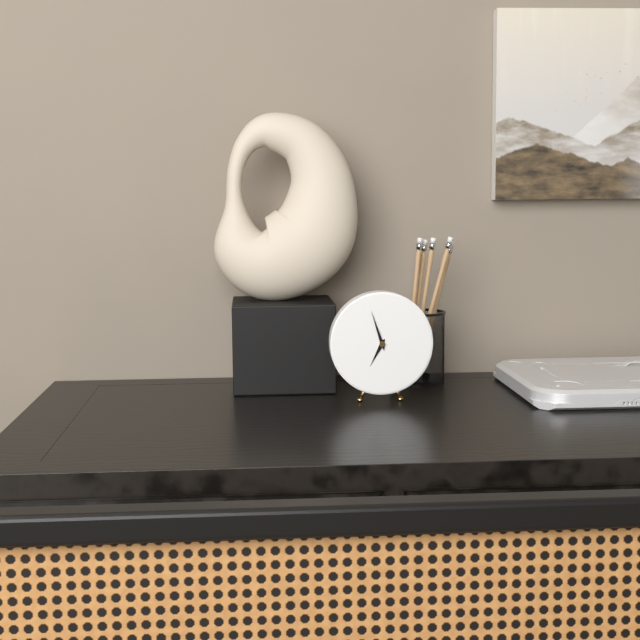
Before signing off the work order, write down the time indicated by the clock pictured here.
6:57
